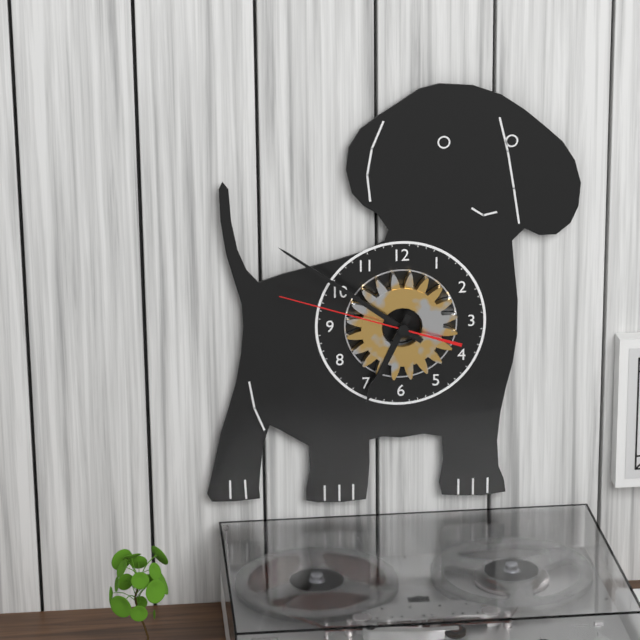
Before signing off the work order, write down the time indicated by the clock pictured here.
6:51:48
